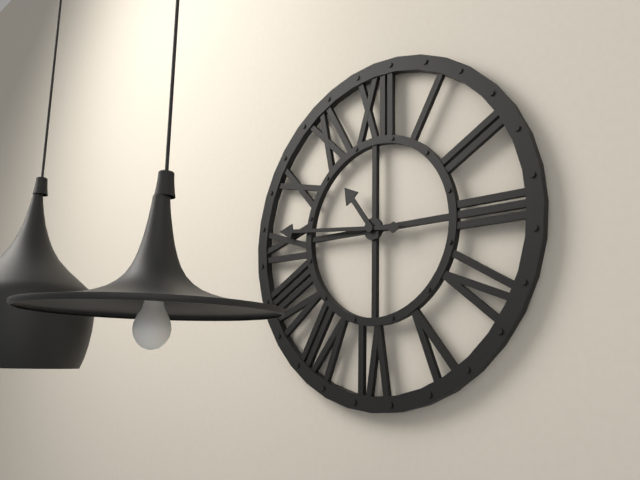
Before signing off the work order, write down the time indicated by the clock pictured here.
10:46
